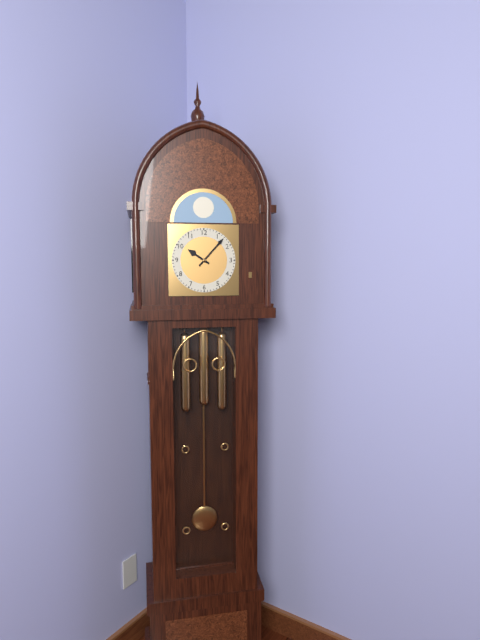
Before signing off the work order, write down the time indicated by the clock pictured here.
10:07
